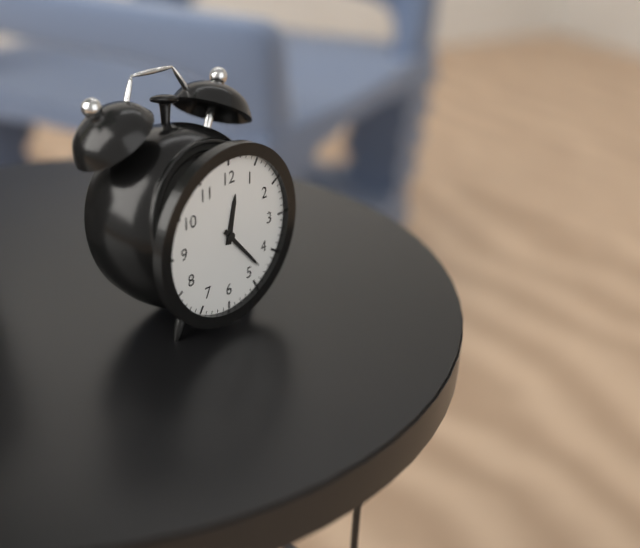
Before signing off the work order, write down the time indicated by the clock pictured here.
12:23
